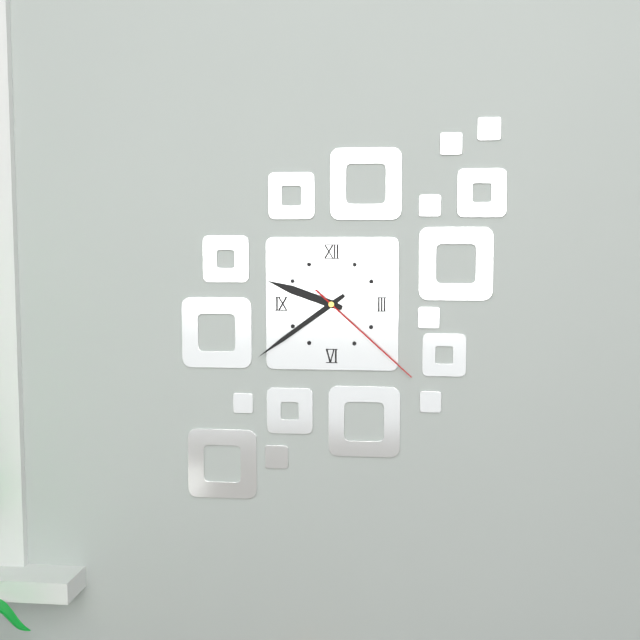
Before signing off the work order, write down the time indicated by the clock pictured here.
9:39:22
